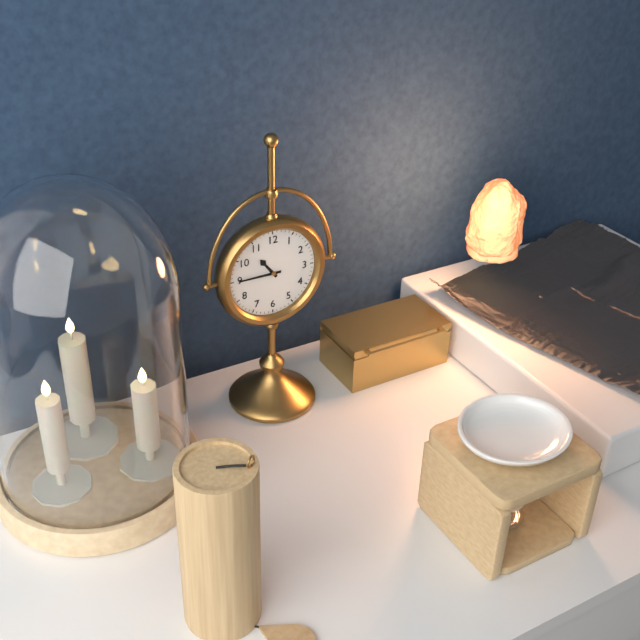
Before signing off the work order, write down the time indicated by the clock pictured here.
10:45
